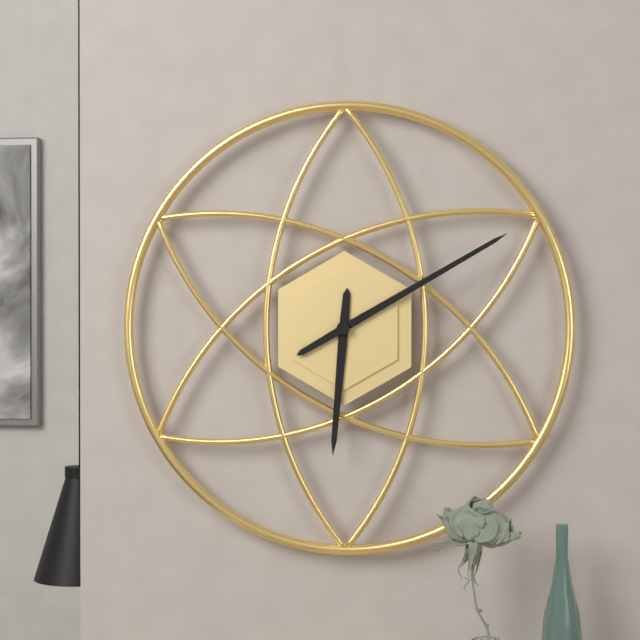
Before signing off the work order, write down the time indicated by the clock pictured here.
6:10
